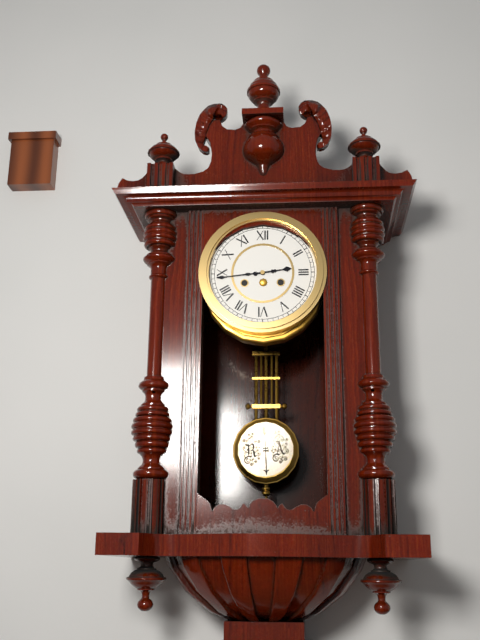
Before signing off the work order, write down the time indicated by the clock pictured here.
2:44
